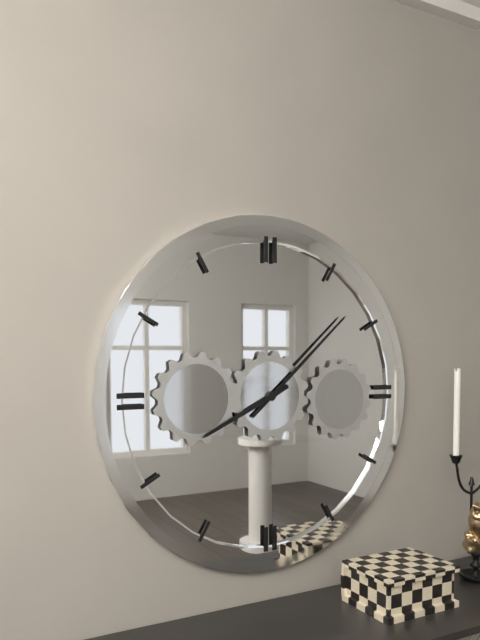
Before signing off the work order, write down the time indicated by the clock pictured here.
8:08
